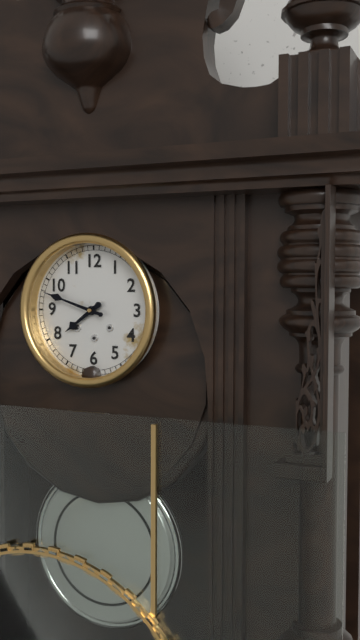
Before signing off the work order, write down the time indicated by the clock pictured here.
7:48
